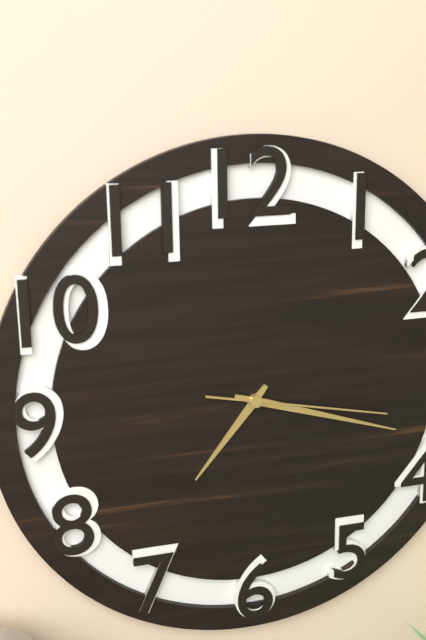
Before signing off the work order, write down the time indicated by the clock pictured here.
7:18:17
